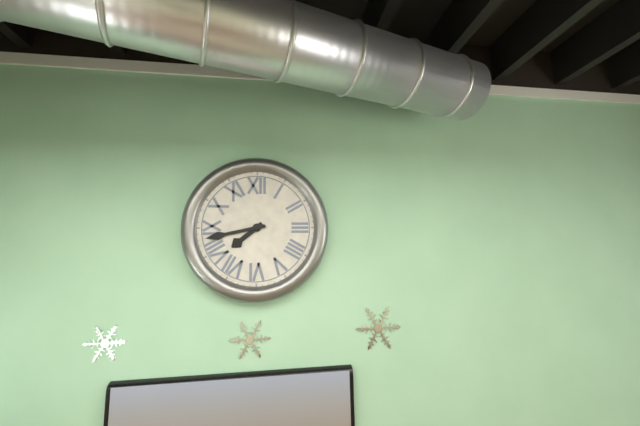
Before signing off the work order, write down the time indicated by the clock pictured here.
7:43
